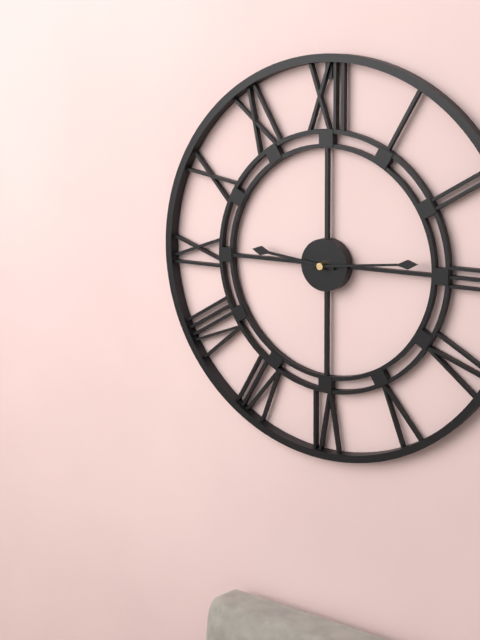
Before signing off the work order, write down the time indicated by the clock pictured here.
9:14
